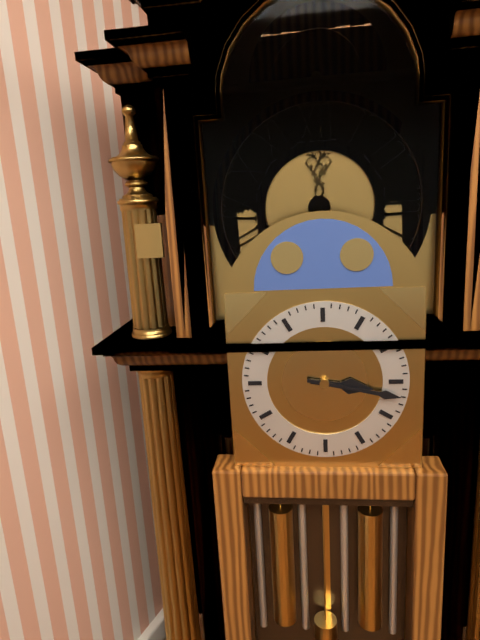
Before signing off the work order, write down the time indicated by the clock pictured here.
3:17
